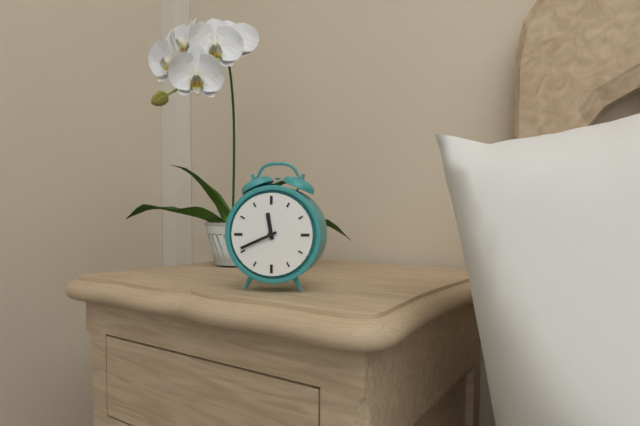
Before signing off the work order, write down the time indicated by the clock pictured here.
11:41
